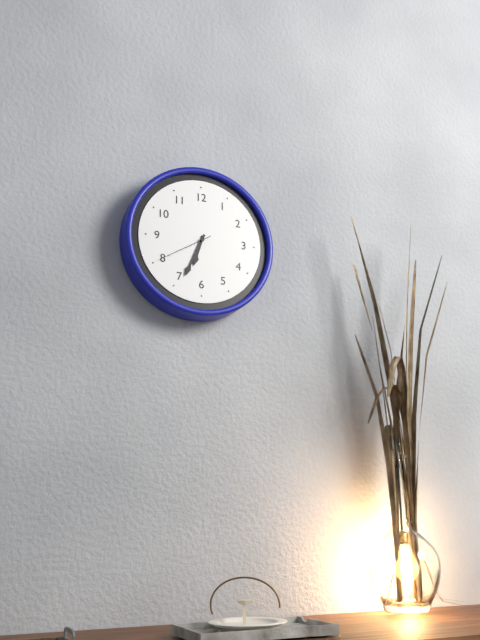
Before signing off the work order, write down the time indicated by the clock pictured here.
6:34:40
